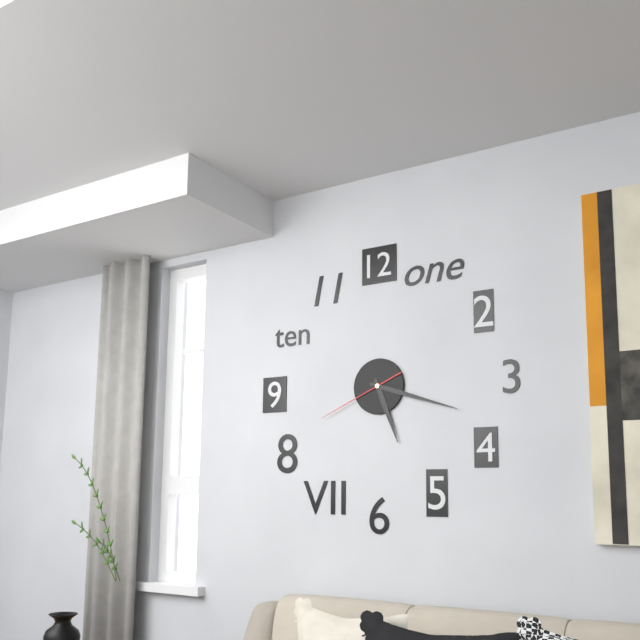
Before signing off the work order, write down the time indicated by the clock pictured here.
5:18:41
